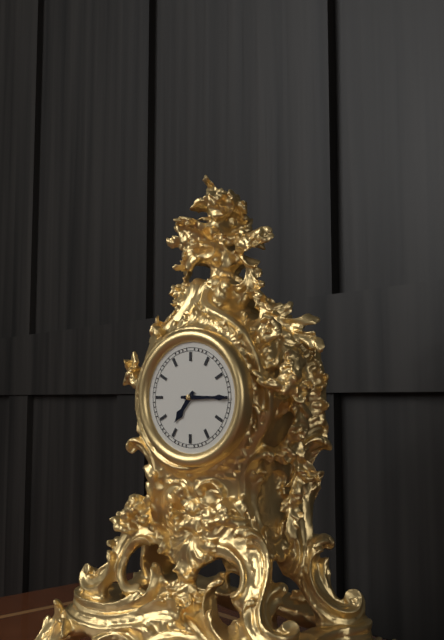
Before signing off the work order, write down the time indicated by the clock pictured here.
7:15
